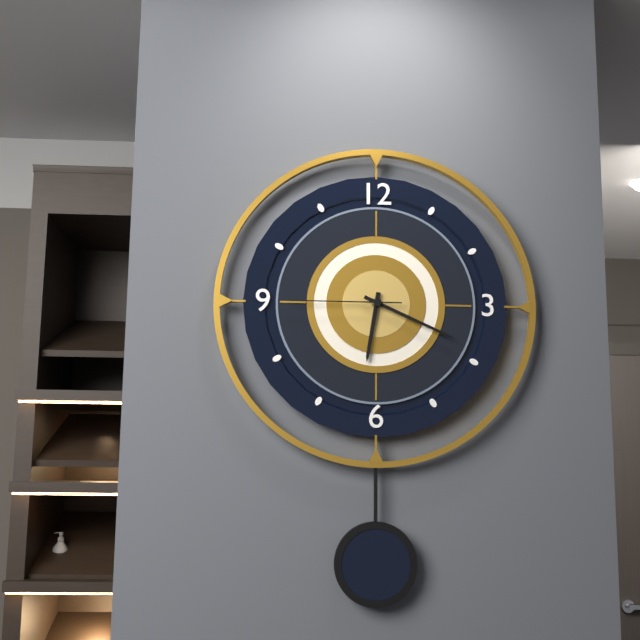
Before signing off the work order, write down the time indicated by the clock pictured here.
6:19:45
